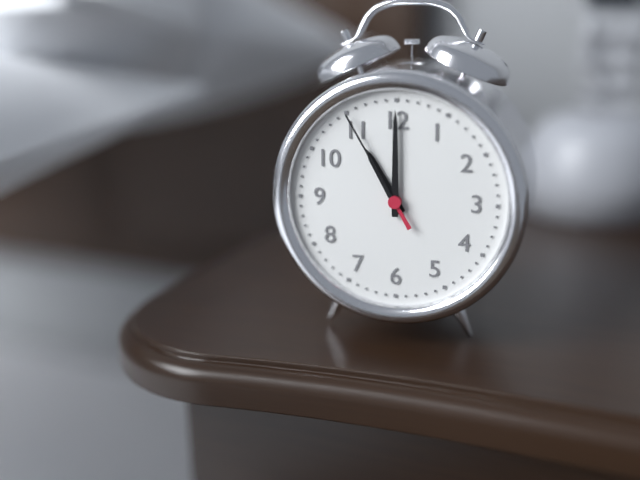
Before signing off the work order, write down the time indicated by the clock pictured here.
11:00:55
